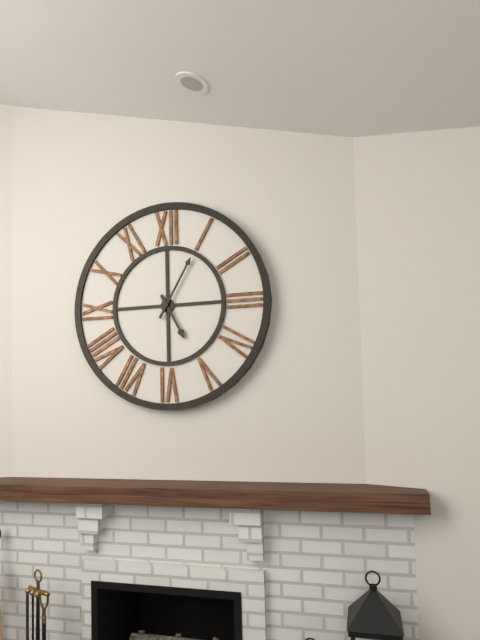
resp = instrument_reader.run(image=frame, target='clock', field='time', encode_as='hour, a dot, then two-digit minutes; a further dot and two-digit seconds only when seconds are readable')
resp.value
5.05
